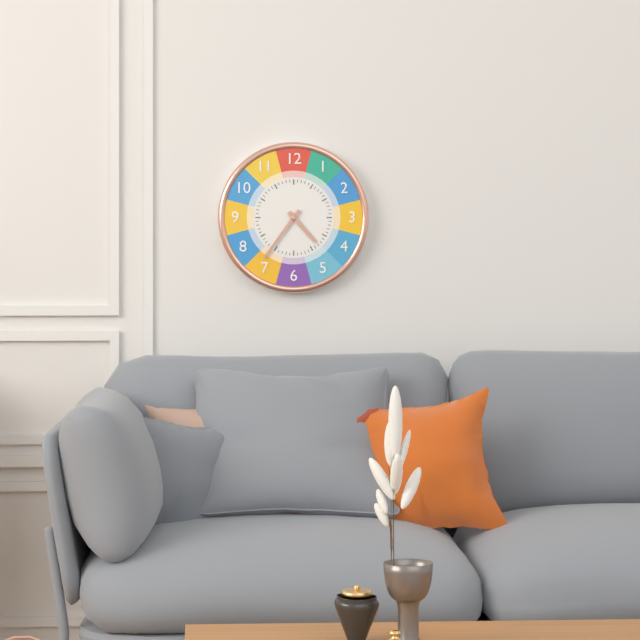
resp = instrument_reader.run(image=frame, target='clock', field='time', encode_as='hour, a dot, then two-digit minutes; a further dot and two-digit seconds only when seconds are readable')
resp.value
4.36
